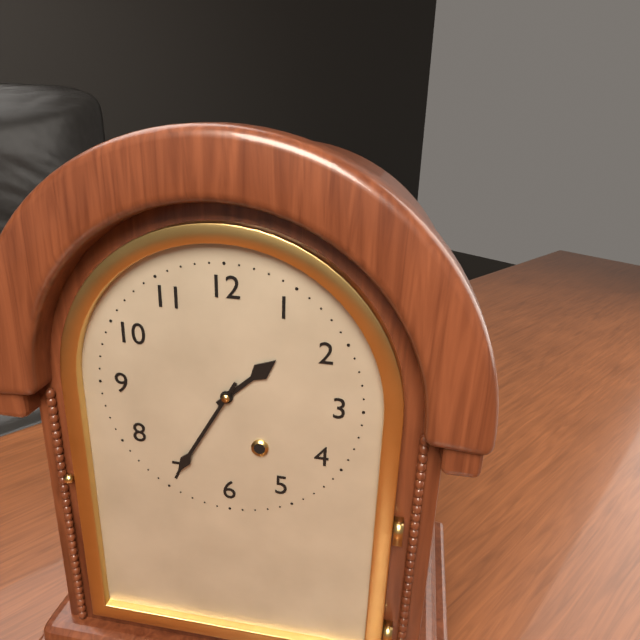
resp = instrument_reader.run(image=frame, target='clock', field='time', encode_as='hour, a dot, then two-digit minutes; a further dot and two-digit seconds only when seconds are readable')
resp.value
1.35
